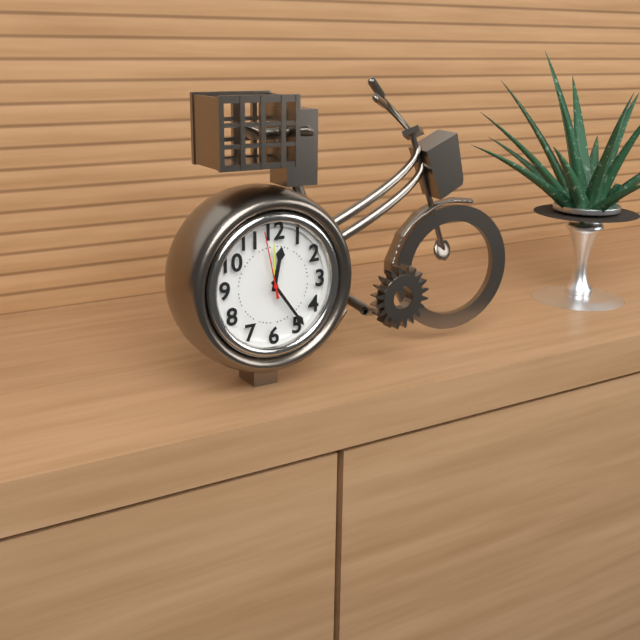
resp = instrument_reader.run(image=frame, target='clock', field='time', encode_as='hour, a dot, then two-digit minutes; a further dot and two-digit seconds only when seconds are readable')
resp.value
12.24.58
